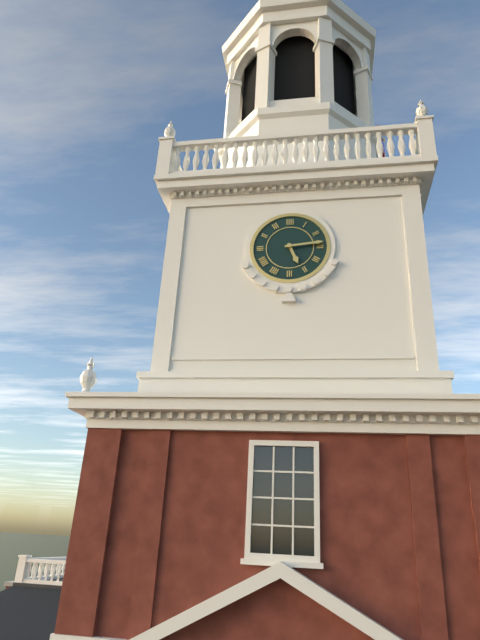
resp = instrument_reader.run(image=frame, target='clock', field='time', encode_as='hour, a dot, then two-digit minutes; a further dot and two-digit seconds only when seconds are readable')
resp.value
5.14
